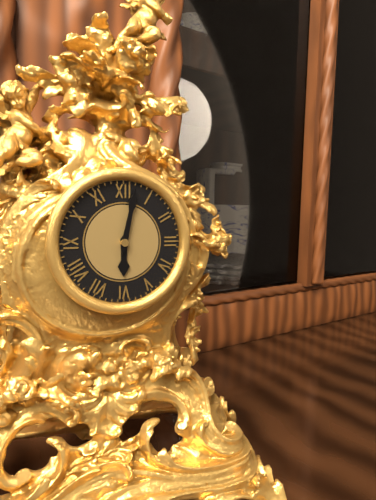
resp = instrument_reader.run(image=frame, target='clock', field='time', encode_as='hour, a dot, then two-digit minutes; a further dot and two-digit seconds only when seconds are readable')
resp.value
6.02
